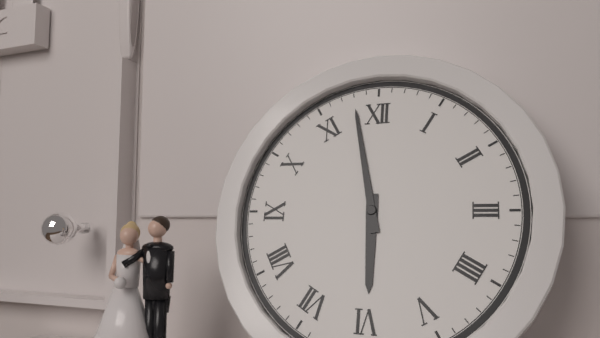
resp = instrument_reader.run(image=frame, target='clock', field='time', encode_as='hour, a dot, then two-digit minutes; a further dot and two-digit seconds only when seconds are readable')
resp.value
5.58
